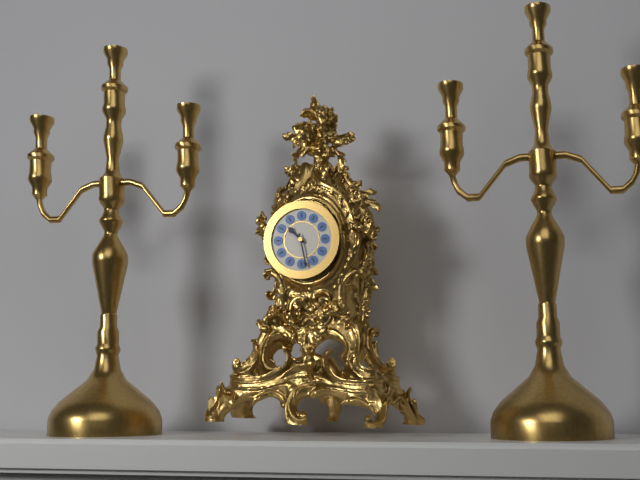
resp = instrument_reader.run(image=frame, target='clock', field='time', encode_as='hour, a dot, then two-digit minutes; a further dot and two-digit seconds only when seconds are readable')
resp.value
10.28
